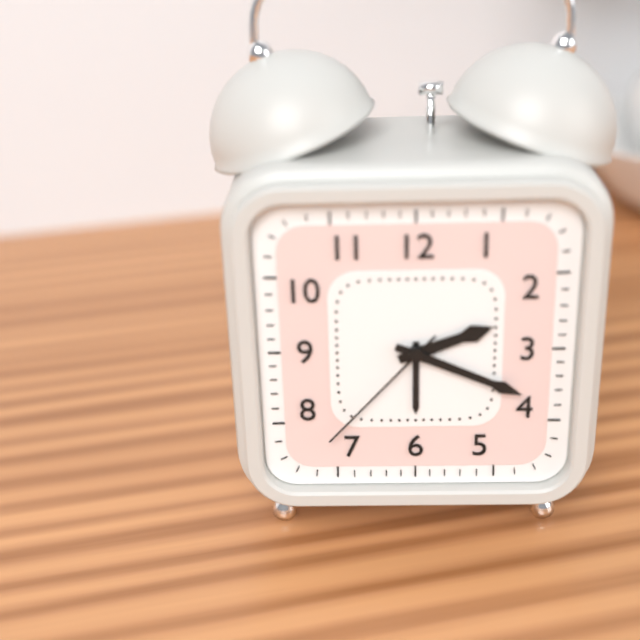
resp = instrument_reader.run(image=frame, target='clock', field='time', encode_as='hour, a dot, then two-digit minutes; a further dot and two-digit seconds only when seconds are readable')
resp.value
2.19.37
